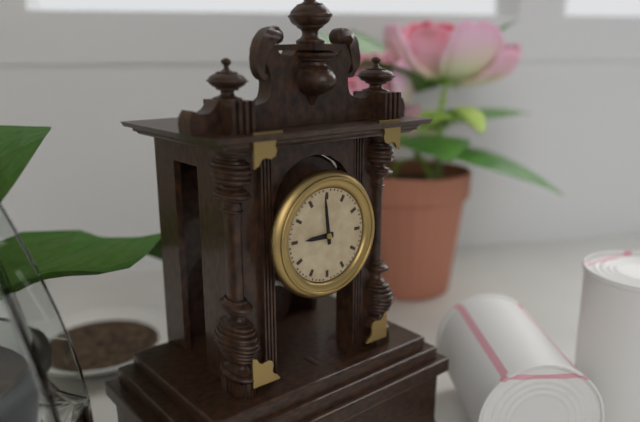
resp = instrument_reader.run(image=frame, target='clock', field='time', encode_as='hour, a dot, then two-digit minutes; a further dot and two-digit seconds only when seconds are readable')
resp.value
8.59
